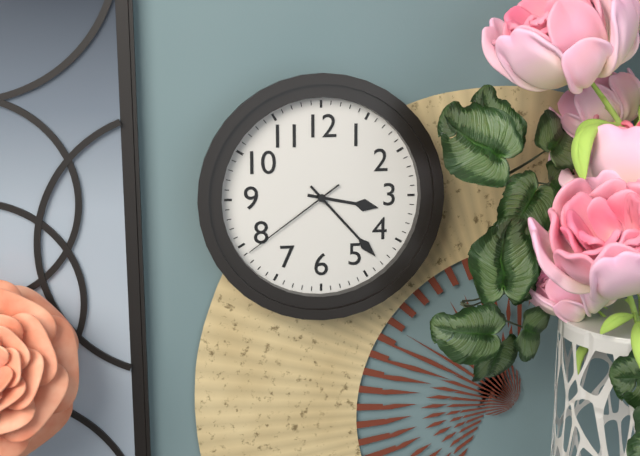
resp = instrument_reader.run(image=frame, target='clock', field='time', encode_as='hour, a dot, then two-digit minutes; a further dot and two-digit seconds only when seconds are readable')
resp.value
3.23.39
